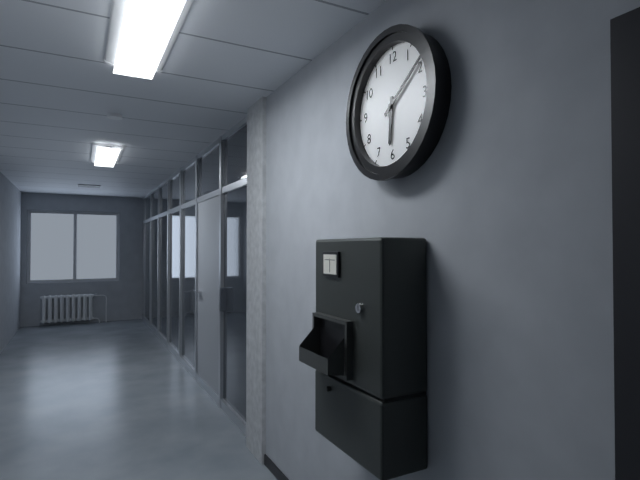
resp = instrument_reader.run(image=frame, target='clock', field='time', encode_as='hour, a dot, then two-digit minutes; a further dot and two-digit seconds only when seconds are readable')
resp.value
6.09
